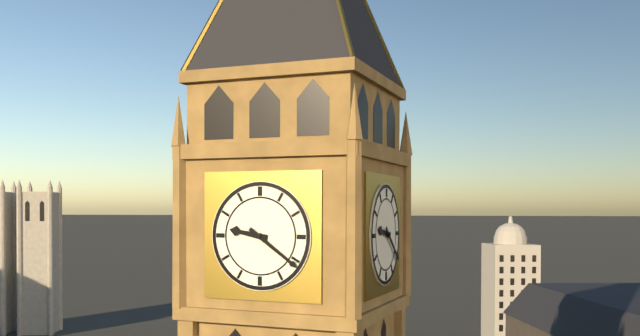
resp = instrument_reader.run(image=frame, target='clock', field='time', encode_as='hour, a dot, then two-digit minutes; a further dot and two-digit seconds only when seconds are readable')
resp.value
9.21
